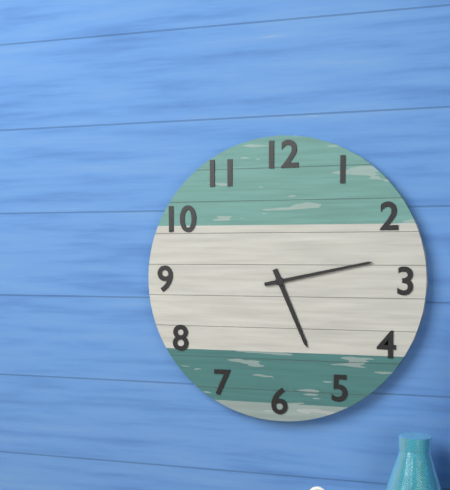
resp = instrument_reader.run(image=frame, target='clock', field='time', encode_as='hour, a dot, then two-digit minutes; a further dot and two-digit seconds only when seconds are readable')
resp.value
5.13
